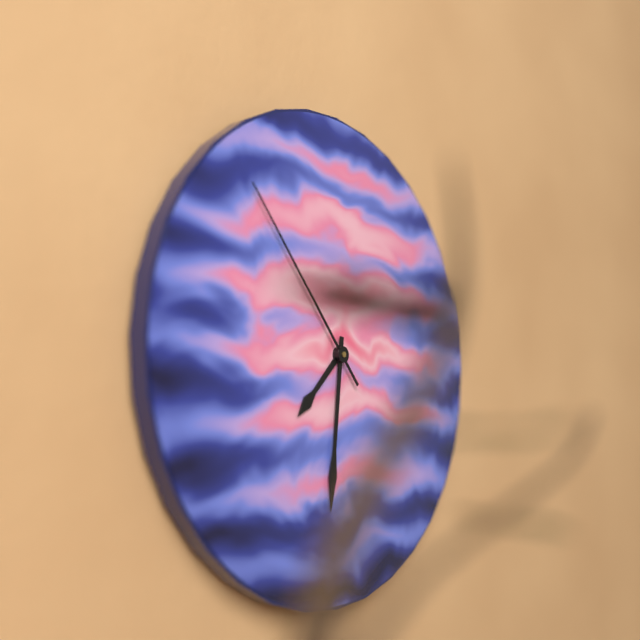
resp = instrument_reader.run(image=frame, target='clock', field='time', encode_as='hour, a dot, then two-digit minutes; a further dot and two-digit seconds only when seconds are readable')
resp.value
7.31.53
